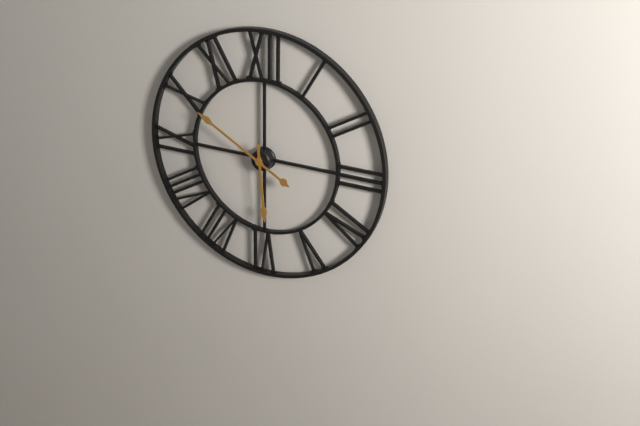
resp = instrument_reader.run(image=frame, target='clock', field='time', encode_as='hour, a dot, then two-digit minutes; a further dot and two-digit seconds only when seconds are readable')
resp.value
5.50
